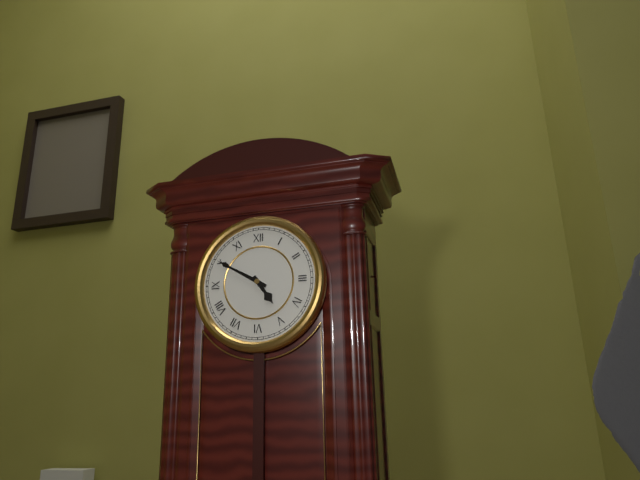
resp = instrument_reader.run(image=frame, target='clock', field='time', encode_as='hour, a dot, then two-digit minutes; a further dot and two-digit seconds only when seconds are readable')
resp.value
4.50
